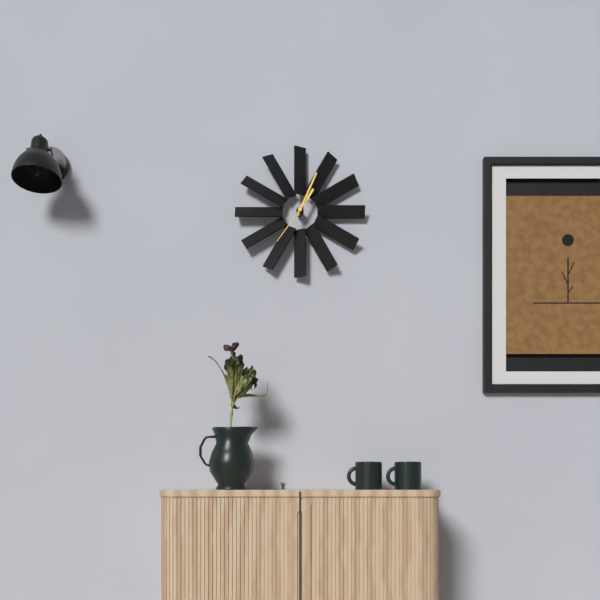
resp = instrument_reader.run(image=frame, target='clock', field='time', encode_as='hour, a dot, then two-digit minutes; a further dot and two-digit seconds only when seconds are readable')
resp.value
1.04
